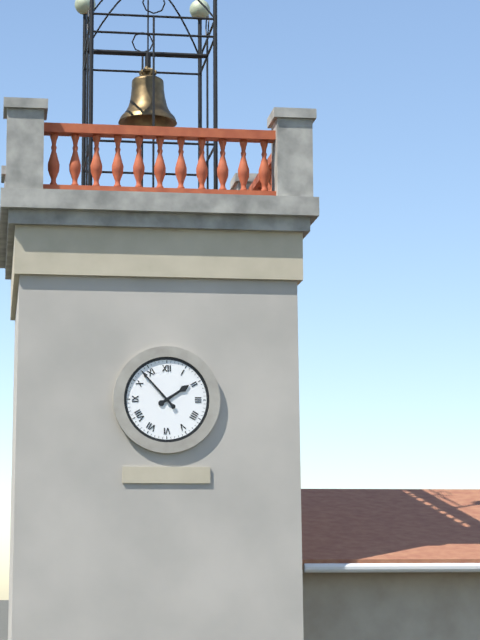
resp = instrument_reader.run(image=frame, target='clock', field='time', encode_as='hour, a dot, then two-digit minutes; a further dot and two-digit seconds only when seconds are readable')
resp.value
1.53
